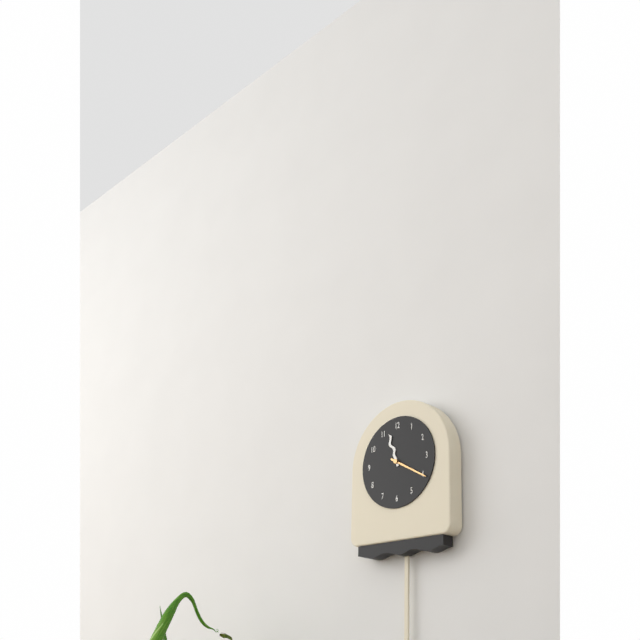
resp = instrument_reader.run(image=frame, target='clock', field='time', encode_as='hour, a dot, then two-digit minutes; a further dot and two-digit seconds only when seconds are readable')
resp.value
11.20
